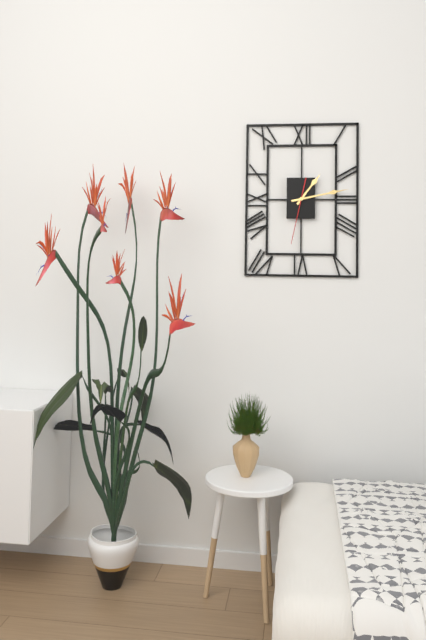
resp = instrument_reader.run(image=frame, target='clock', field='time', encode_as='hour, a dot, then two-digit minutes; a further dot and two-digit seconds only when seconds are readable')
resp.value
1.13.32
